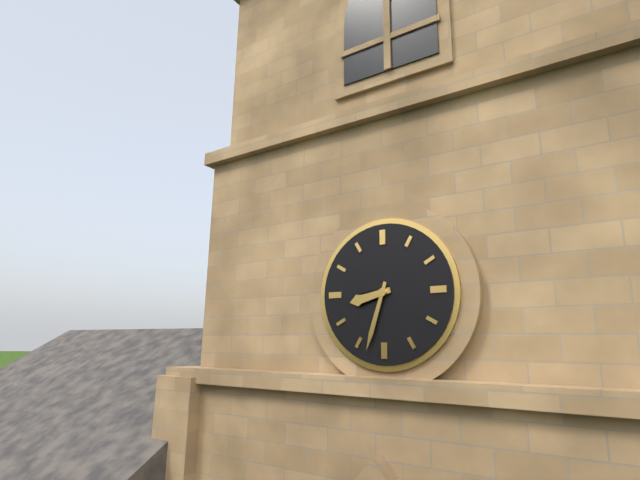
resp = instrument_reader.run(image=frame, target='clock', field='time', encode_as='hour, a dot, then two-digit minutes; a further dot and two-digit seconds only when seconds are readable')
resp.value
8.33
